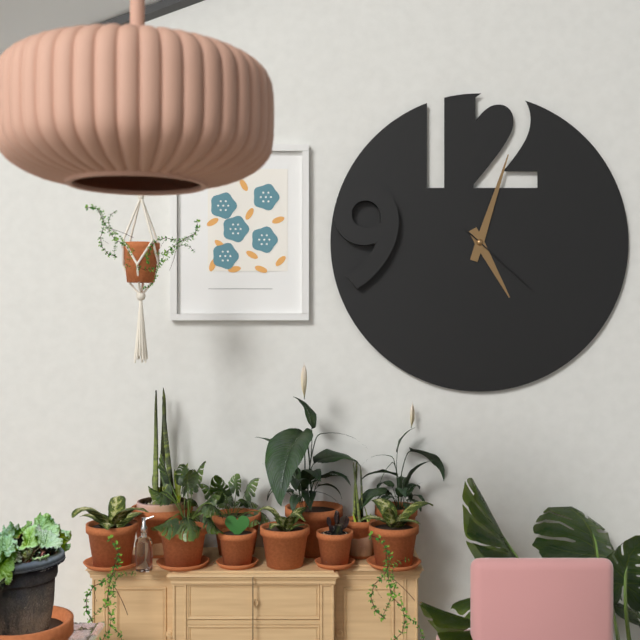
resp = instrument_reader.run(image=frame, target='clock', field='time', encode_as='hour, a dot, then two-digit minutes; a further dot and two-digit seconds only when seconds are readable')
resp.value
5.03.22
